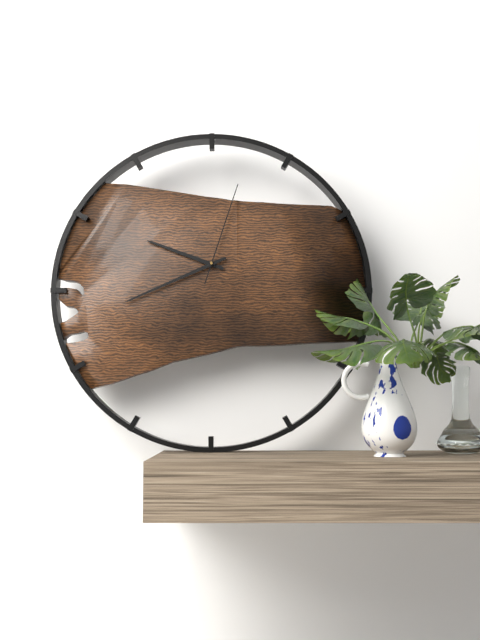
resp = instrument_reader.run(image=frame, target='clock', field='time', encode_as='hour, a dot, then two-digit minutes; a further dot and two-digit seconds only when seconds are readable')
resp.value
9.41.03
